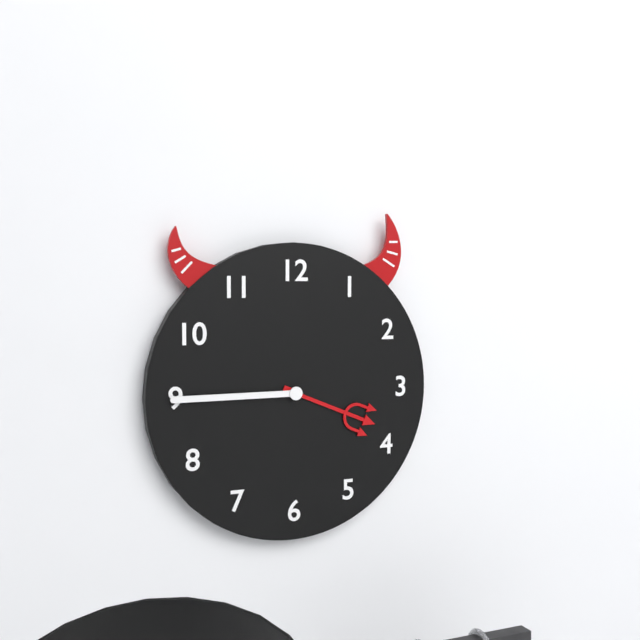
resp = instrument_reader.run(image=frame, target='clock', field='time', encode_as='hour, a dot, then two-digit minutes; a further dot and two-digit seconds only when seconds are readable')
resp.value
3.45
